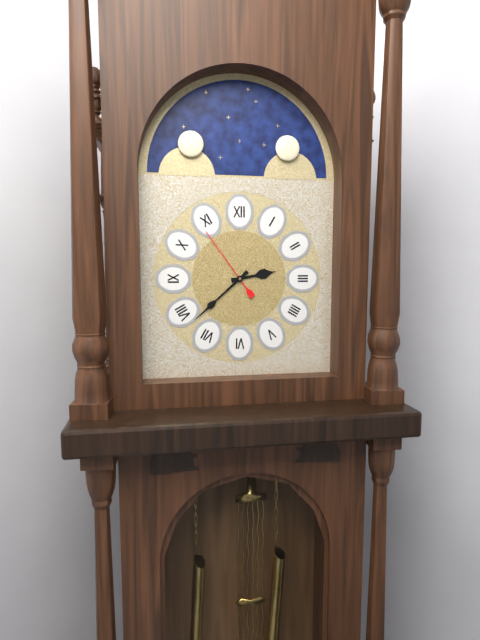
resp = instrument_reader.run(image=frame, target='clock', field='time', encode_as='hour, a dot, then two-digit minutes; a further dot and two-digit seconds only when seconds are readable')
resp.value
2.38.54
